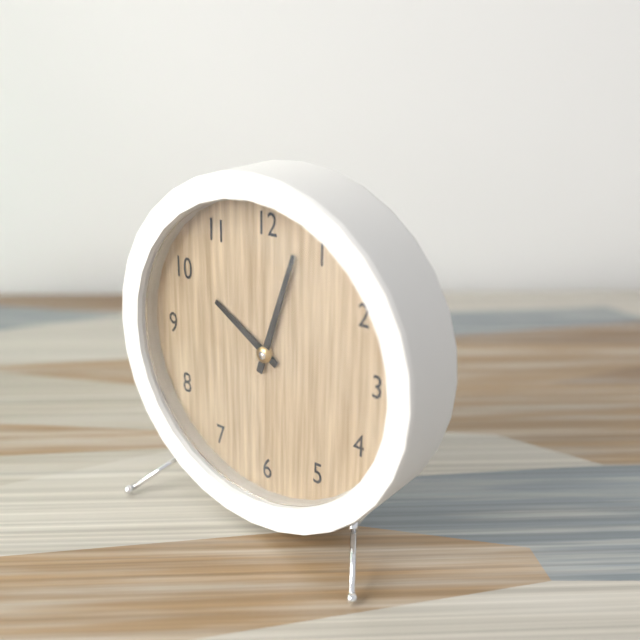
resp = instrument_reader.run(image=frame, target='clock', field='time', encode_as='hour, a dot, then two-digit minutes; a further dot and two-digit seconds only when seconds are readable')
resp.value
10.03
